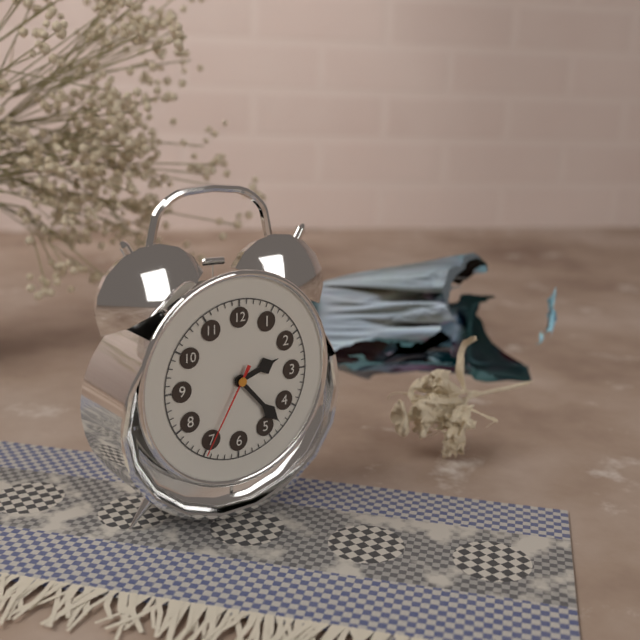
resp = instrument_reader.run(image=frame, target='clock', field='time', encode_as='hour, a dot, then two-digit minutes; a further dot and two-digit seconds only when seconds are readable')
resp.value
2.23.35
